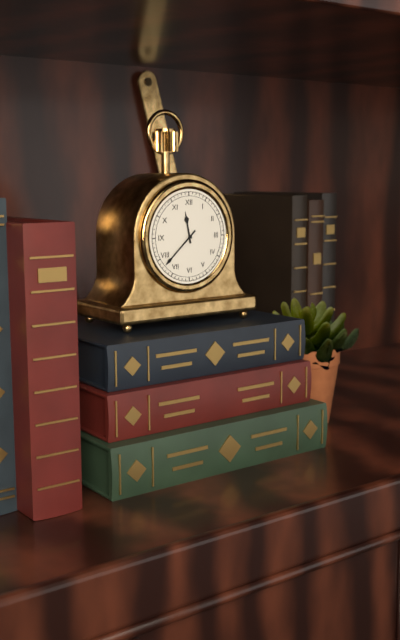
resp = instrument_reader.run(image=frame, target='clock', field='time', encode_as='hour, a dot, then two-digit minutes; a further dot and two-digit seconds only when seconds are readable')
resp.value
11.38
